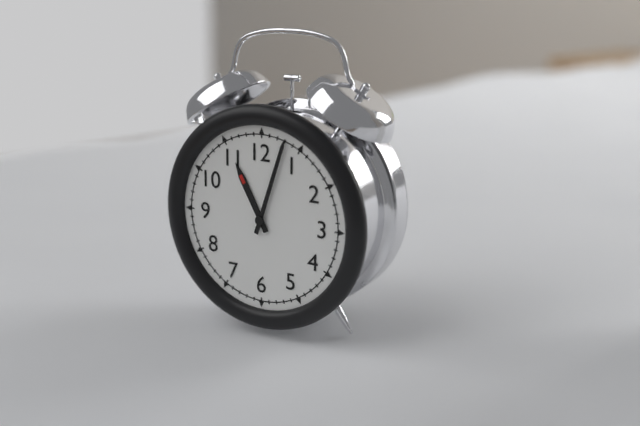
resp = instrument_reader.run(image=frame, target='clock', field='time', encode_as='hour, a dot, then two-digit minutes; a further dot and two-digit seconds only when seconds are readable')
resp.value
11.03
